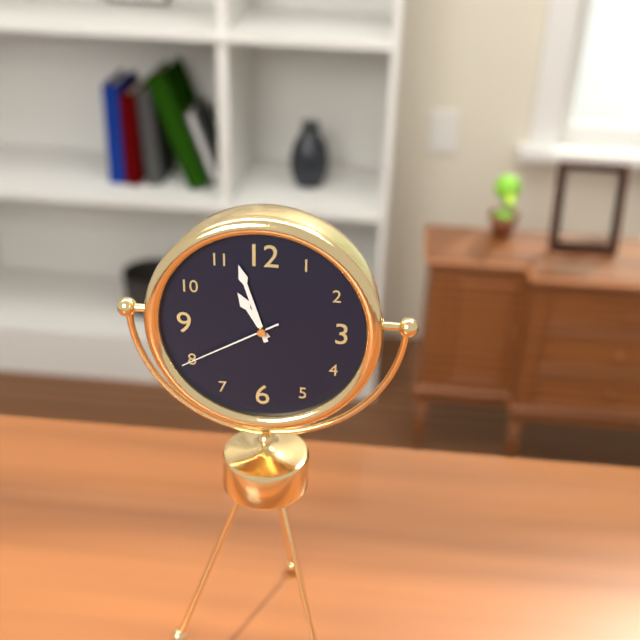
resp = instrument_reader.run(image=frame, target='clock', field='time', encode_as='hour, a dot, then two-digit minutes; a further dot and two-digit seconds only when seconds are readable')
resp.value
10.57.40
